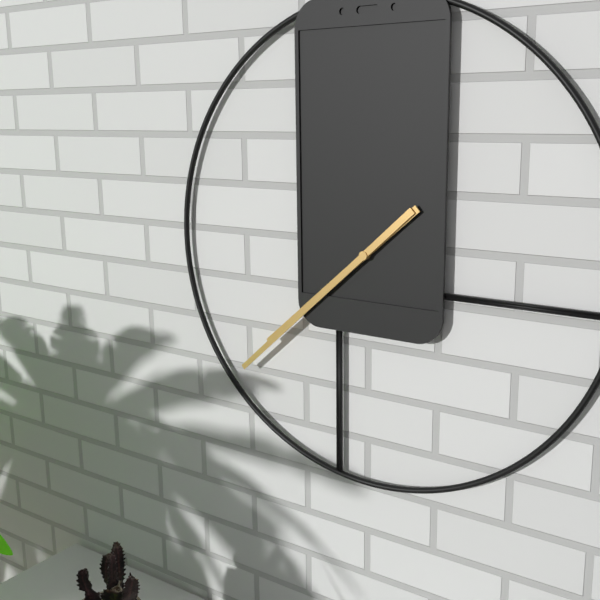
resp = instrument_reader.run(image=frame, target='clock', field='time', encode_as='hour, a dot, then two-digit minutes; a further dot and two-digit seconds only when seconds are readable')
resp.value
7.38
